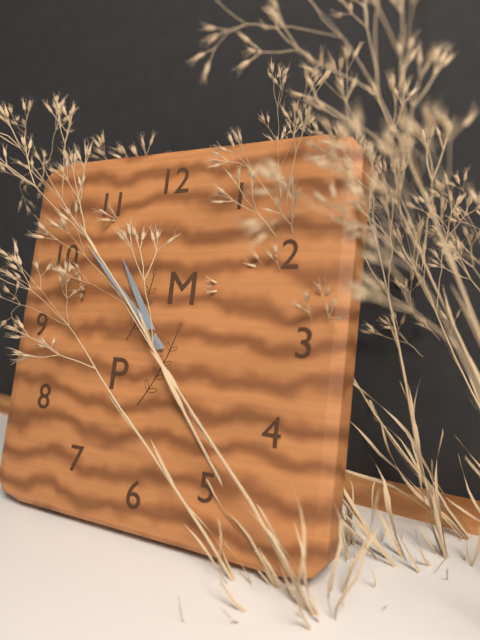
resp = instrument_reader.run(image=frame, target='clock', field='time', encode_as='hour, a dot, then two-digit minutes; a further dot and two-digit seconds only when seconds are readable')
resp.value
10.52
